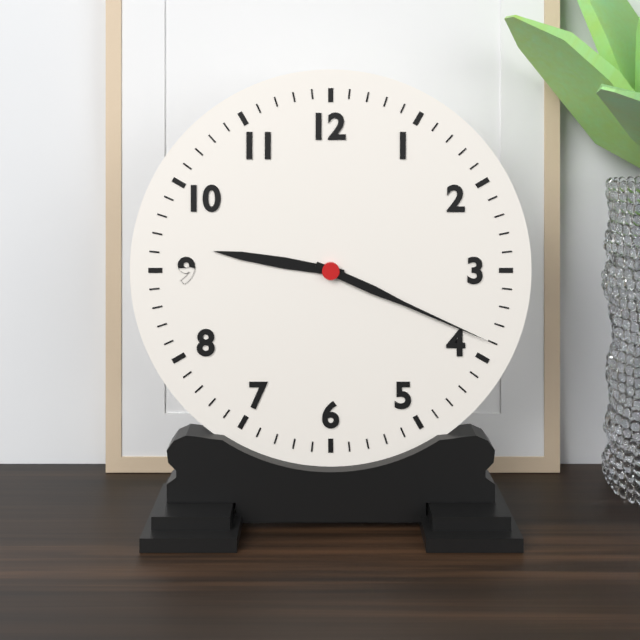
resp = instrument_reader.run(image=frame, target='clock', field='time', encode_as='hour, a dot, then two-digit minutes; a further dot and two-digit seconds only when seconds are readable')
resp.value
9.19
